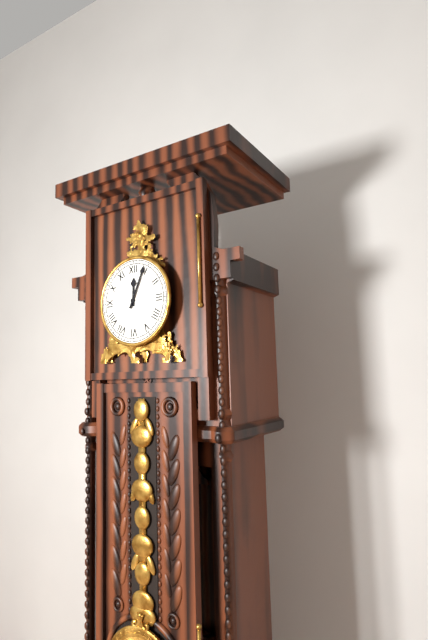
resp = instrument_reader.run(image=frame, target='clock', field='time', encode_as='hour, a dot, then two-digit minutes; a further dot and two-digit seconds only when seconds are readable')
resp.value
12.04
